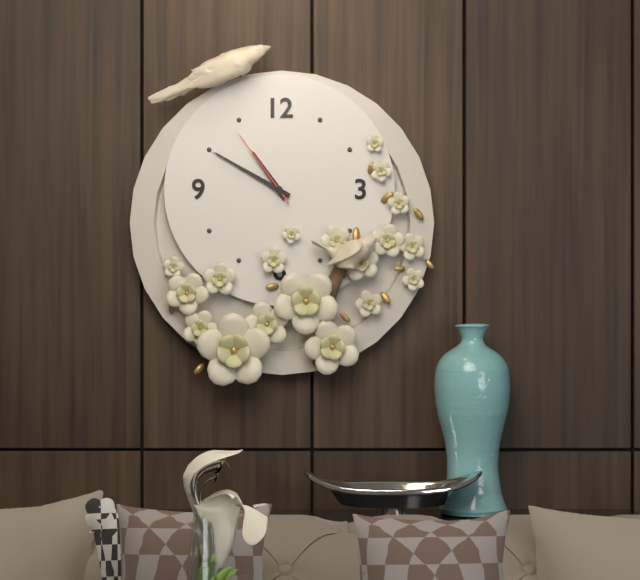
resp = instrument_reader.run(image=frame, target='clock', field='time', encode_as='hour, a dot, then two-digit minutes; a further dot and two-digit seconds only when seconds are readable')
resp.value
10.50.54
